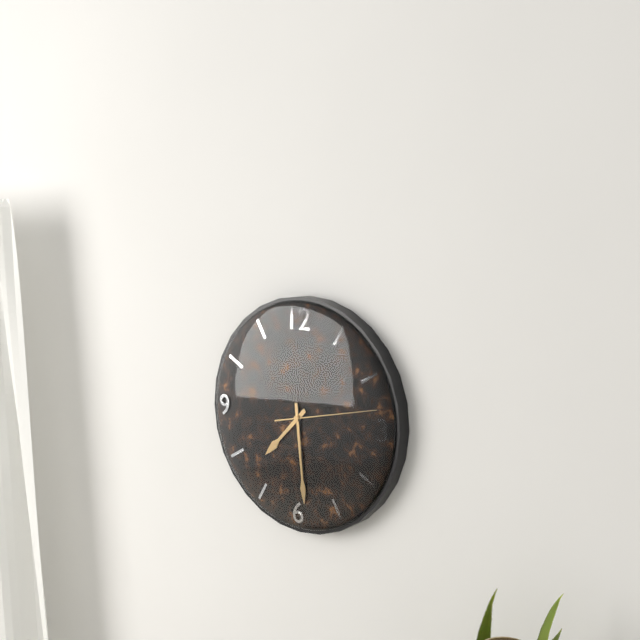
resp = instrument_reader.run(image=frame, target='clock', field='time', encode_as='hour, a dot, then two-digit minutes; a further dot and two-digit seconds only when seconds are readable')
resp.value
7.29.13
